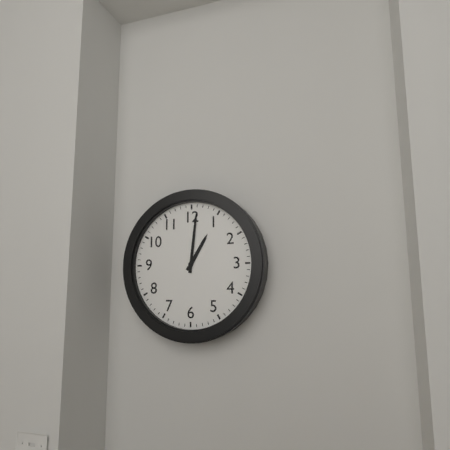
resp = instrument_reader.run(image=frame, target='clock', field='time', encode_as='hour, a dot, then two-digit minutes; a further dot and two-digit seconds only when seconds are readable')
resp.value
1.01
